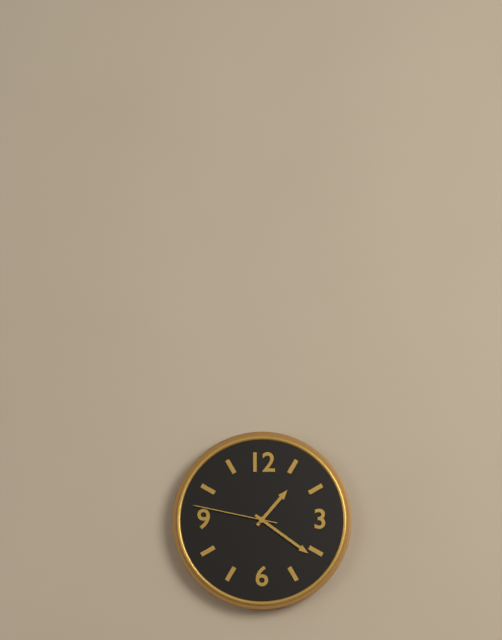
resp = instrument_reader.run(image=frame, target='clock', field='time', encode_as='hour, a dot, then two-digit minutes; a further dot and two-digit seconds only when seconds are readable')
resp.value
1.21.47
